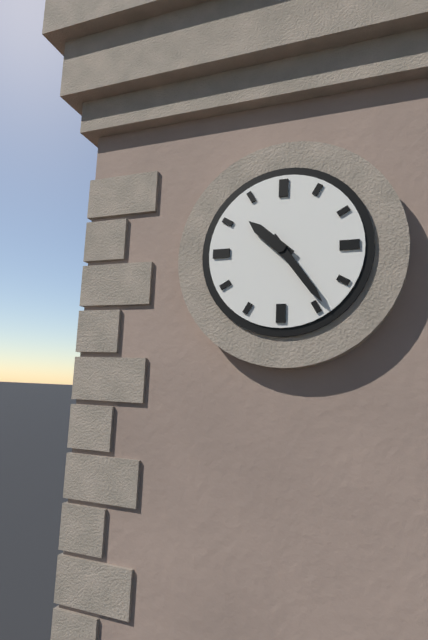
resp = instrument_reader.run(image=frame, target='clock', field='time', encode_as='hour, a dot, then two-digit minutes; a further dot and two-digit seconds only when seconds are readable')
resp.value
10.24
